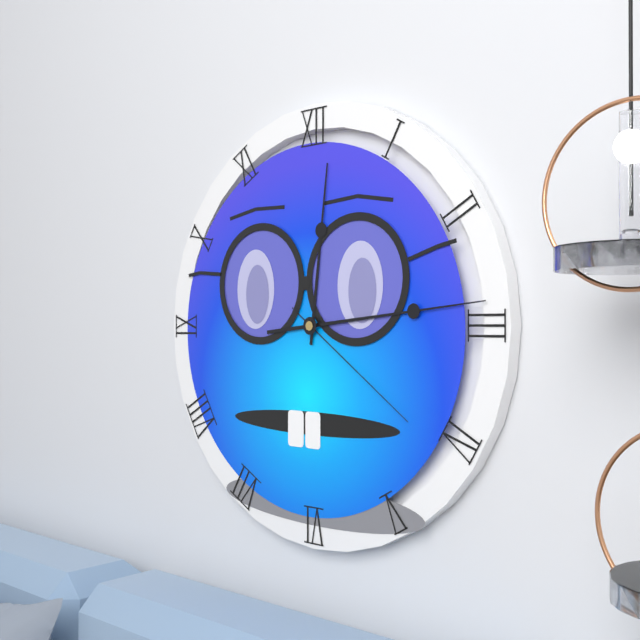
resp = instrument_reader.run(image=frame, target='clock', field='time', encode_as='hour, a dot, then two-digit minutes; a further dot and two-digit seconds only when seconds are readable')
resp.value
12.14.21
